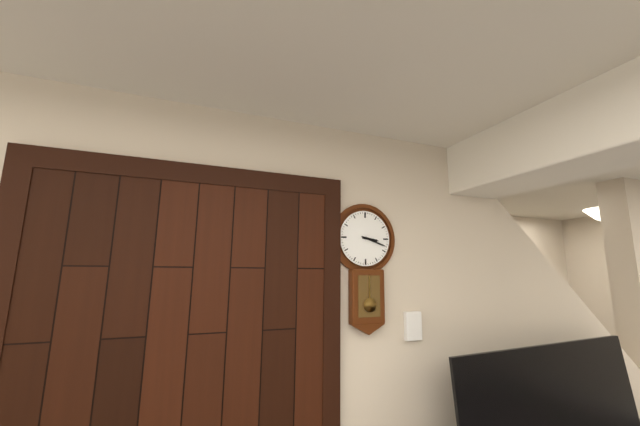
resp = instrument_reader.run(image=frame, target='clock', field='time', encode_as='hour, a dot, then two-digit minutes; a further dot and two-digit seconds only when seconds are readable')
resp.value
3.18
